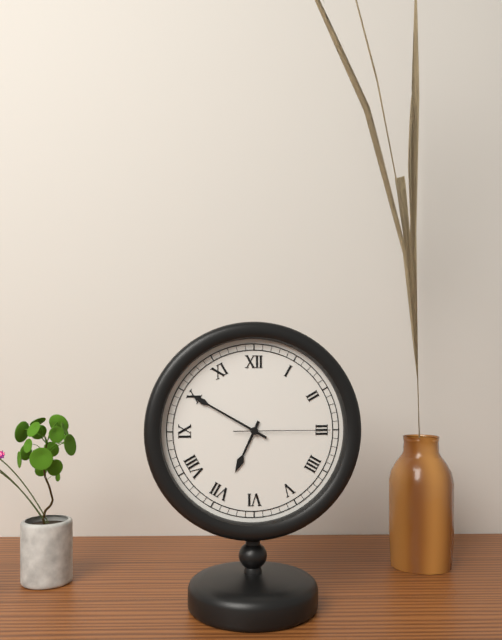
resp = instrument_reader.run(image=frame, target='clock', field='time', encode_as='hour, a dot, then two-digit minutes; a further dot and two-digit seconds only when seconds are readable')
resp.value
6.50.15
